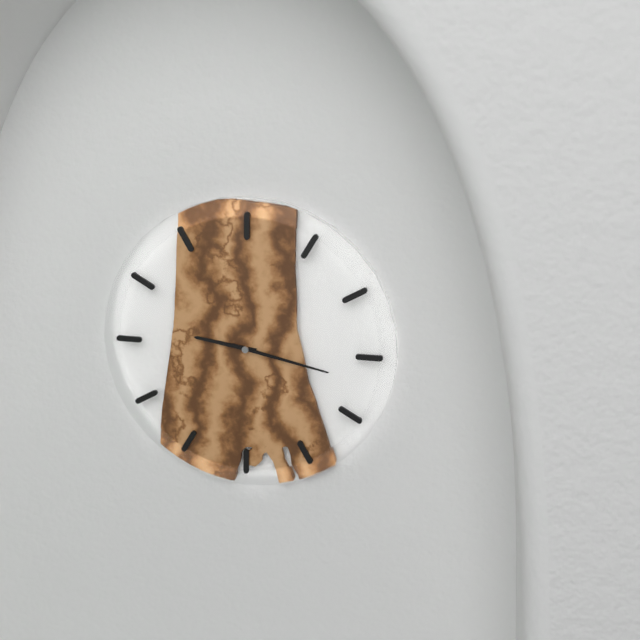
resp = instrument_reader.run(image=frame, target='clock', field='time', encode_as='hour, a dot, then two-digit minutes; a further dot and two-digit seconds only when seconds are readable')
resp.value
9.17.17
